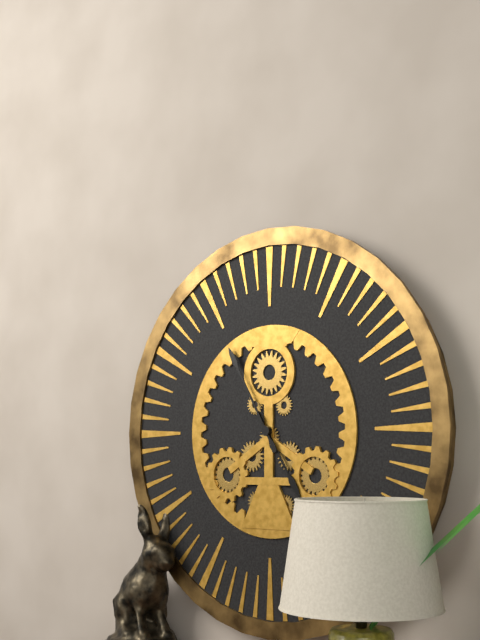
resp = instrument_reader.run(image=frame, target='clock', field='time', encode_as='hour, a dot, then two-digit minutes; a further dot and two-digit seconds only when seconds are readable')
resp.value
4.55
